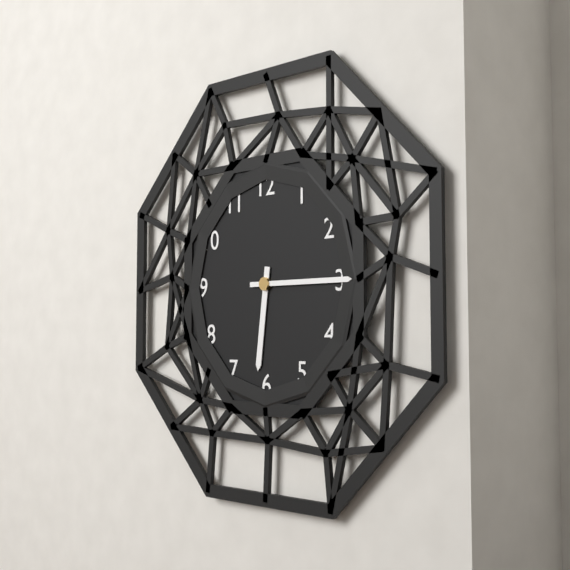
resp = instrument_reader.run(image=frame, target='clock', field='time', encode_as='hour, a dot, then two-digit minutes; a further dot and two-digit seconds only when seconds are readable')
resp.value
6.15
